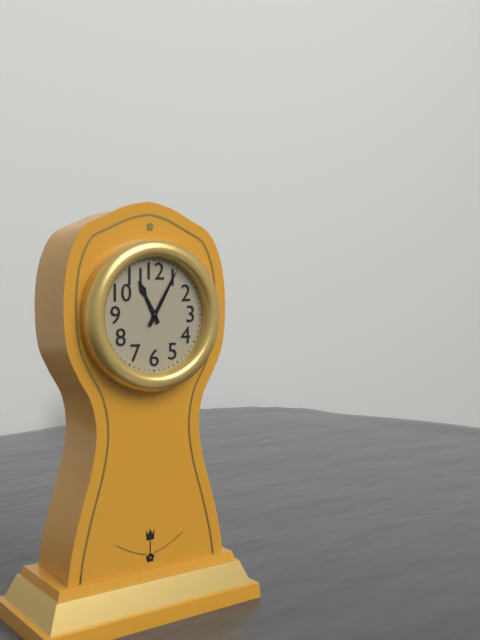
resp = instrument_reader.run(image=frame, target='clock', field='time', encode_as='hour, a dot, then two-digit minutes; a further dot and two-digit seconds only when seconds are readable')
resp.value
11.05
